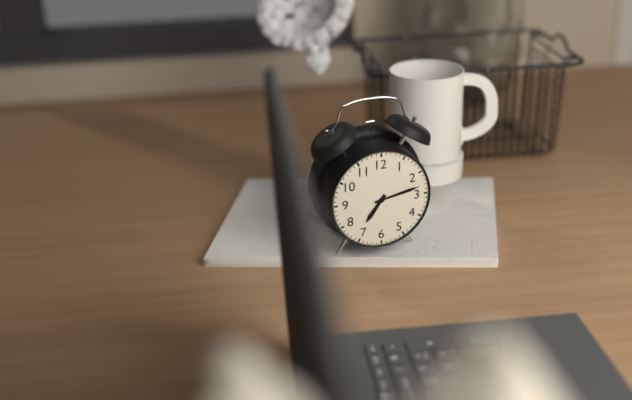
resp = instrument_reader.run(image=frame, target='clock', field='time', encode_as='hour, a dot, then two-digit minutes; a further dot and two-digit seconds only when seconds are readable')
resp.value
7.13
